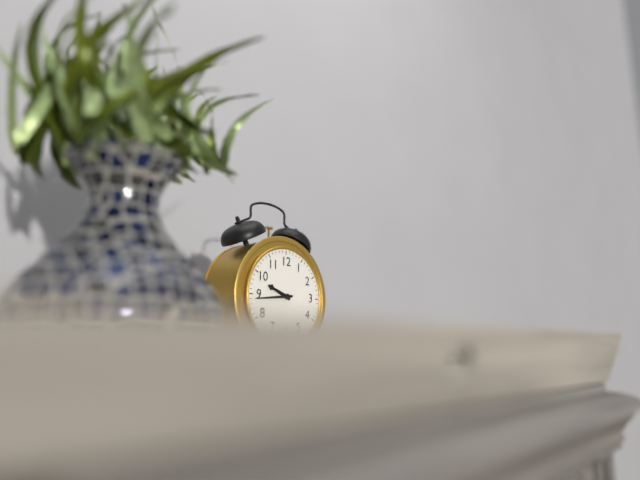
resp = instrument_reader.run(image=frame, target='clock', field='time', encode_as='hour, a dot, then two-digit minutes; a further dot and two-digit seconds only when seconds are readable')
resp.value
9.44
